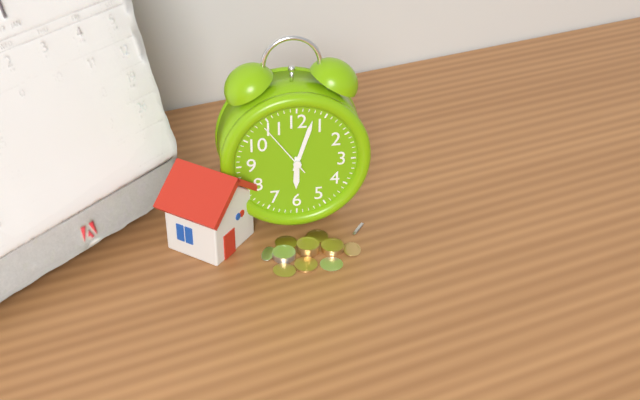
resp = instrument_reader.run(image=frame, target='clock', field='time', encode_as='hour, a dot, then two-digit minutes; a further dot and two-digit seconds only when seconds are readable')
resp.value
6.03.54
